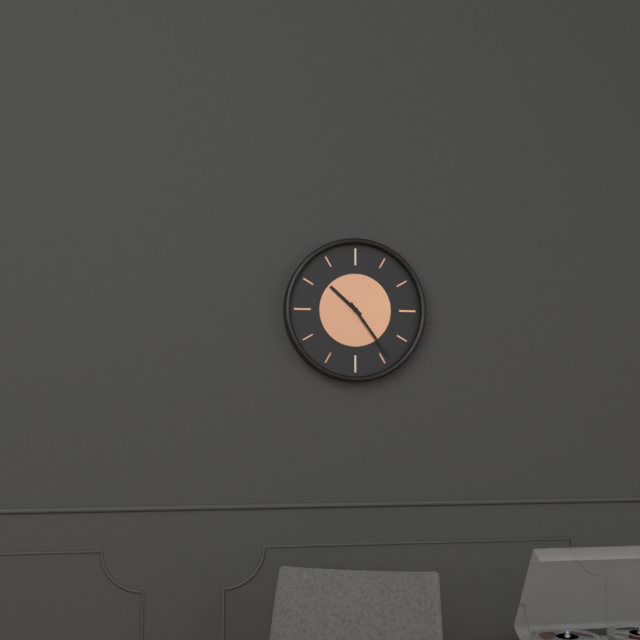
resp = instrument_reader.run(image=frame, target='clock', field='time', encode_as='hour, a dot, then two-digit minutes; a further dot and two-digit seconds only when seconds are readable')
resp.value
10.24
